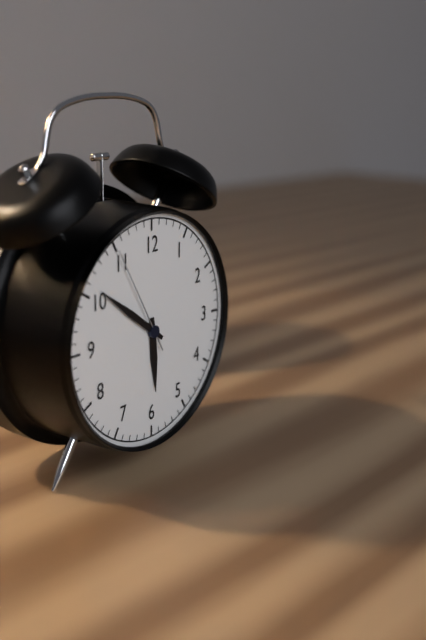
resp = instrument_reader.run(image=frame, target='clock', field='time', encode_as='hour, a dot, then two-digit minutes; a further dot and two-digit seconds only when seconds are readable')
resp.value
5.51.55
